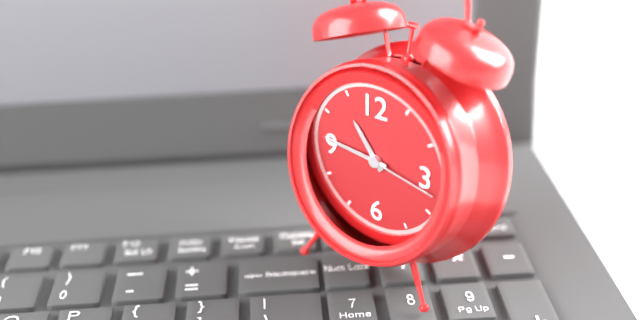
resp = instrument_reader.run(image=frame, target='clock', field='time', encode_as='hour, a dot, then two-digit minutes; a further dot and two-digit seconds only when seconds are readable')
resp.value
10.46.17
